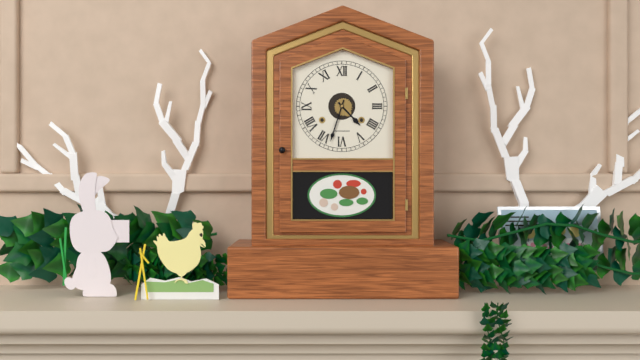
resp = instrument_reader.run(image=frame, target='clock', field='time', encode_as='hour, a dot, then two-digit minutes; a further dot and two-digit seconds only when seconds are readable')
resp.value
4.33
